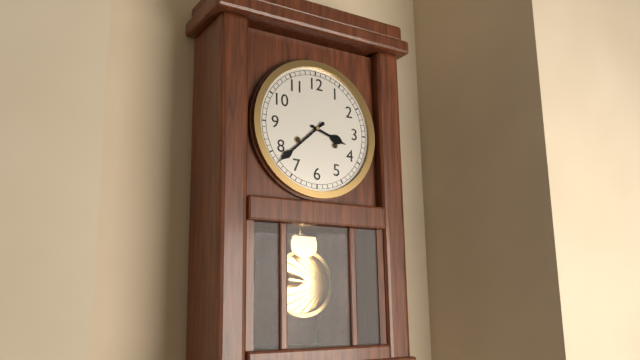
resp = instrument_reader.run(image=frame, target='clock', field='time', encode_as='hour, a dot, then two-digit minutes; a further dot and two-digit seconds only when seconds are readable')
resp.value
3.38
